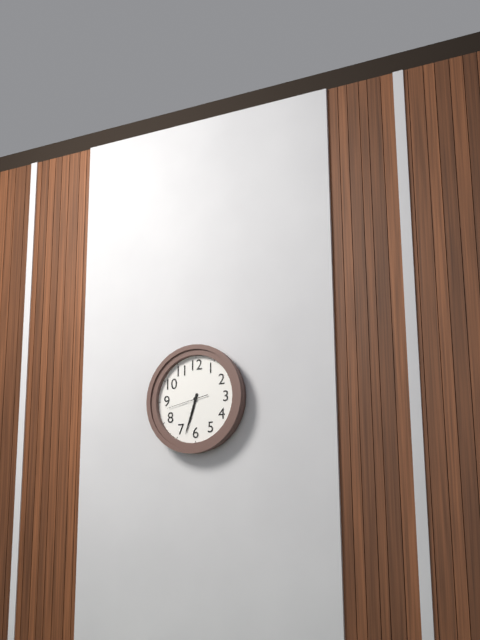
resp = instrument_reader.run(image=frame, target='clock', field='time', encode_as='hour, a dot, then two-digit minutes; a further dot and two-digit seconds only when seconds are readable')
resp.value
6.33
